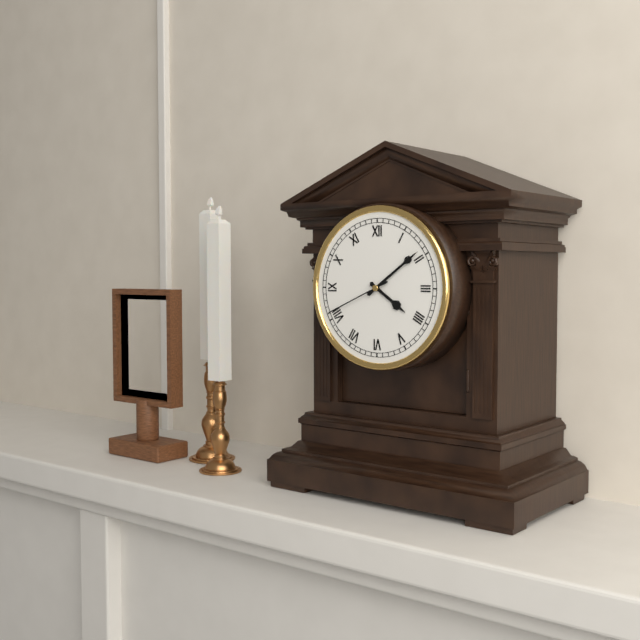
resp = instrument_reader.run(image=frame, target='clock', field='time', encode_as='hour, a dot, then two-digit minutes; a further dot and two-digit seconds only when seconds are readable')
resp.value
4.09.41
